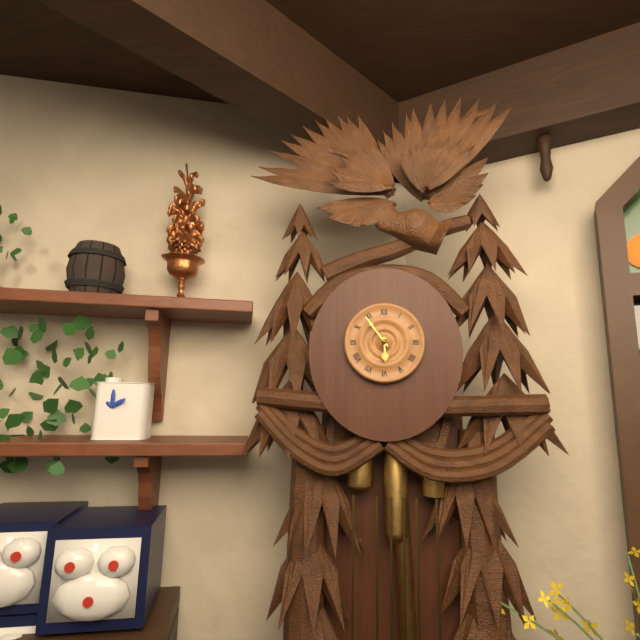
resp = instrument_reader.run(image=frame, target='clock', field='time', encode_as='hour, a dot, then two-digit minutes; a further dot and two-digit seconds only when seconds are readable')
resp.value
5.54
